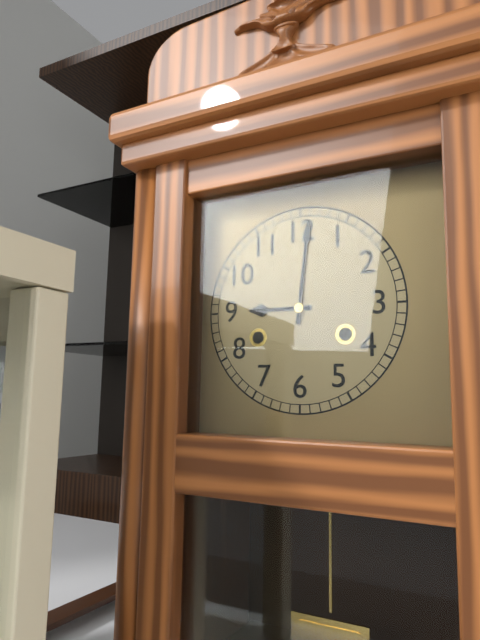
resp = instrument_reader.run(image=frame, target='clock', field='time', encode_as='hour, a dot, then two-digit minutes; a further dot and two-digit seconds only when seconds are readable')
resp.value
9.01
